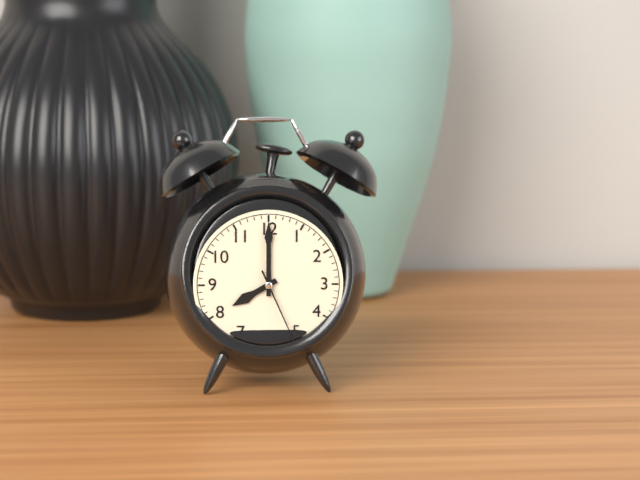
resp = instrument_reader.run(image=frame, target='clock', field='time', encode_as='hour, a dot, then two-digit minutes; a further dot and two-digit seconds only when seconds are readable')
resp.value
8.00.26
